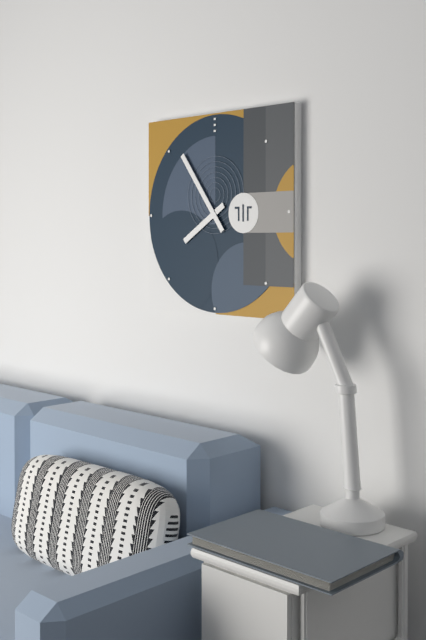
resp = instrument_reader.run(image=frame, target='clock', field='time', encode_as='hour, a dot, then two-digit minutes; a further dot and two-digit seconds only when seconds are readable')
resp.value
7.54
